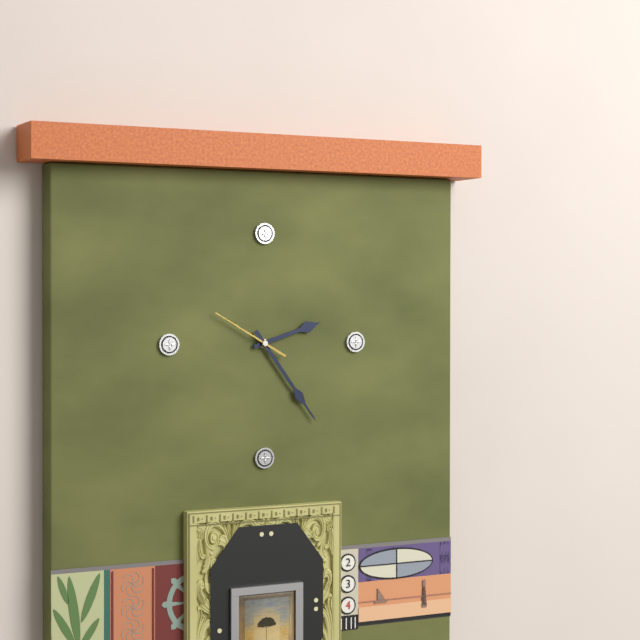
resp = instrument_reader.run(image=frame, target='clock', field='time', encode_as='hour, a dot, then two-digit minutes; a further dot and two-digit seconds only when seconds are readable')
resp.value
2.24.50
